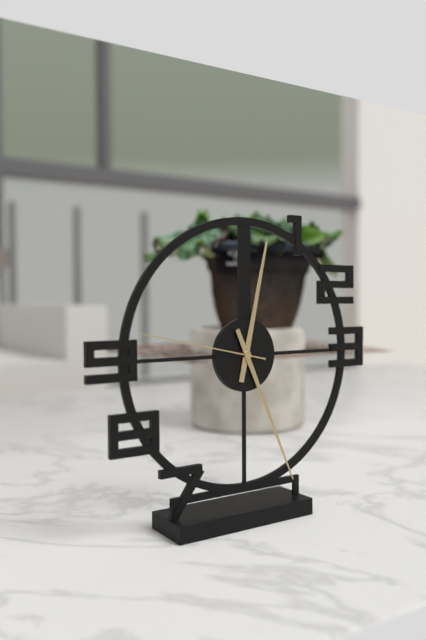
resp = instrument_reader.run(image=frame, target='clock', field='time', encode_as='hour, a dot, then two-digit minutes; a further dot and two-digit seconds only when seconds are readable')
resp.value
12.26.47
